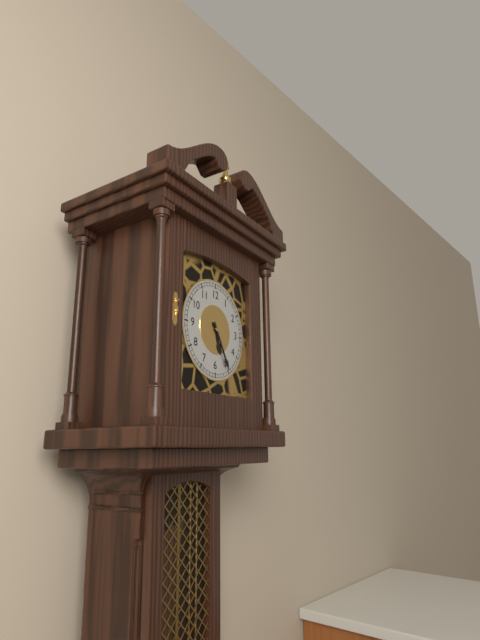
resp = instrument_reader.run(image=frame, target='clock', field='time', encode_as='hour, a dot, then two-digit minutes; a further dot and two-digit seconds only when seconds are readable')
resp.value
5.25
